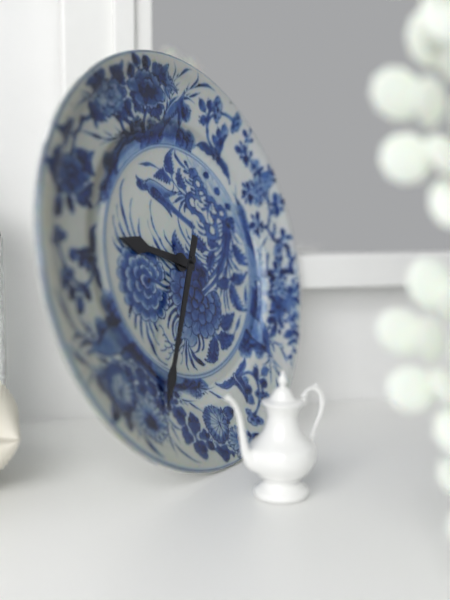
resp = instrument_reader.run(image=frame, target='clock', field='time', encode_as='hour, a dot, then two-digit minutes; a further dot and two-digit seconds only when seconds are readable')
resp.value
9.35
